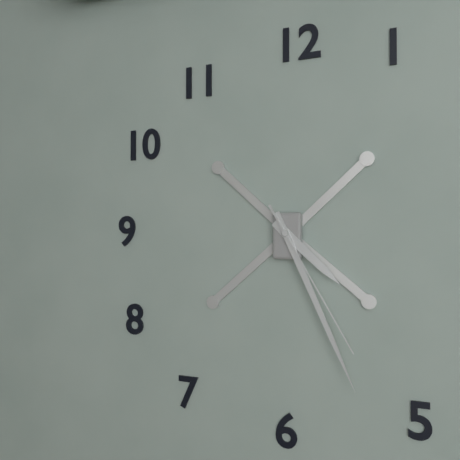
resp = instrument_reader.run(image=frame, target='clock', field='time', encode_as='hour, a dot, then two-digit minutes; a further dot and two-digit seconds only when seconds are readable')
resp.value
4.26.25
